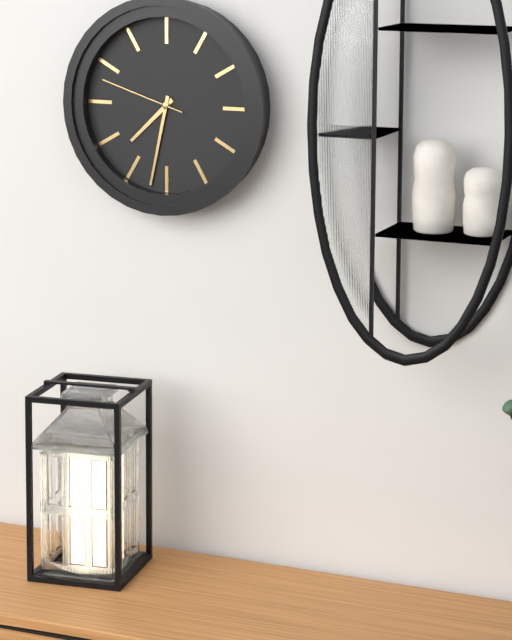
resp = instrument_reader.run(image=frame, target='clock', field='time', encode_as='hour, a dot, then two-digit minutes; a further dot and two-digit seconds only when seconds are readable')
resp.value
7.32.48
